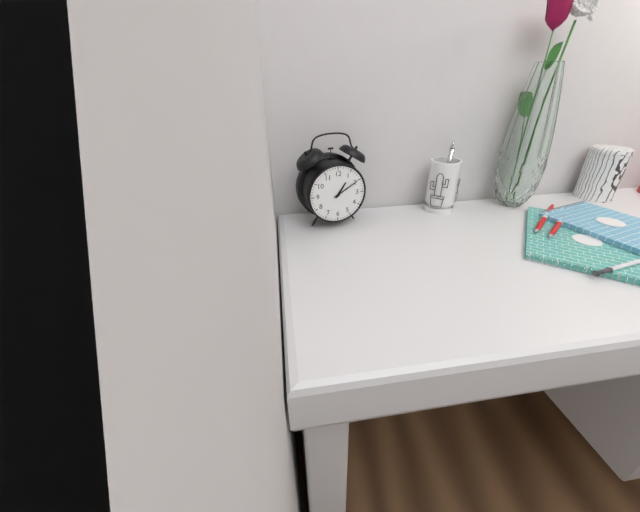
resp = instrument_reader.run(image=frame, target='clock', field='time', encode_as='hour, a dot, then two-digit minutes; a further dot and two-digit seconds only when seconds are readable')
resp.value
1.10
